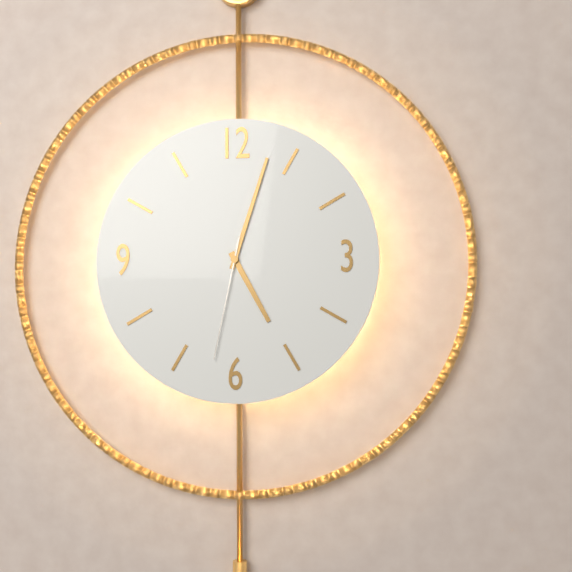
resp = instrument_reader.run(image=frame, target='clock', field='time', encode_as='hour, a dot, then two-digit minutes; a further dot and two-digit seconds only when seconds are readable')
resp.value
5.03.32
